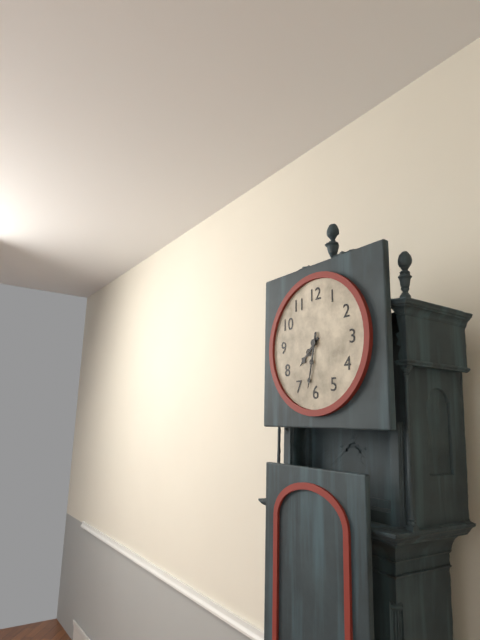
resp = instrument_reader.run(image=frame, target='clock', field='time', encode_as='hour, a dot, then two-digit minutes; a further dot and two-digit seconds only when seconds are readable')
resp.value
7.32
